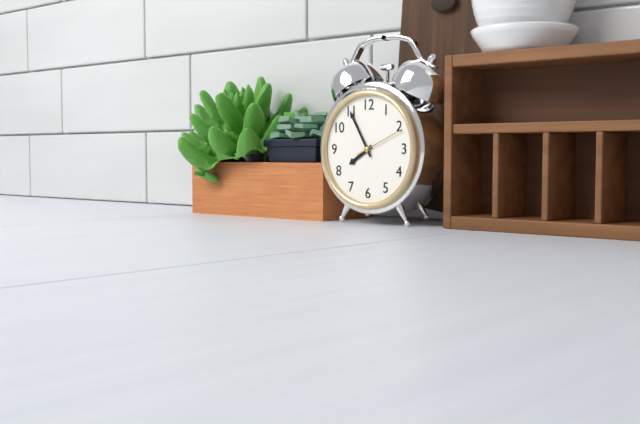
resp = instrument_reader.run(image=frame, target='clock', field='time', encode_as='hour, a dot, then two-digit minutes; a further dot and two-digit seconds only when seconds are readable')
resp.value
7.55.11
